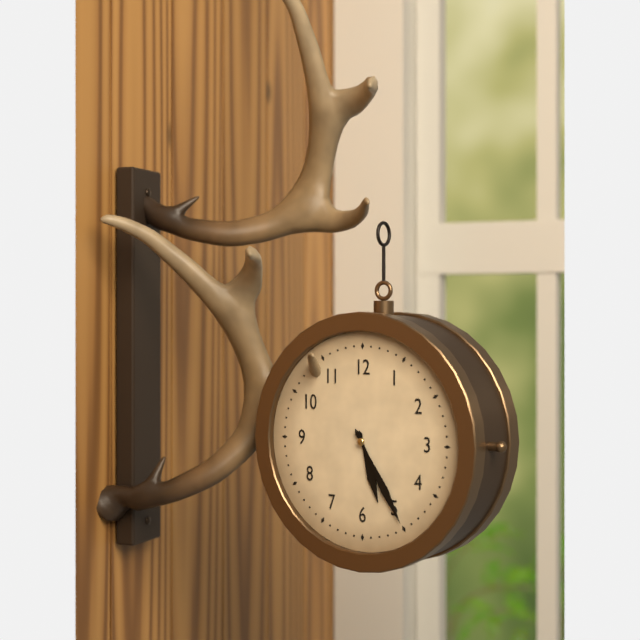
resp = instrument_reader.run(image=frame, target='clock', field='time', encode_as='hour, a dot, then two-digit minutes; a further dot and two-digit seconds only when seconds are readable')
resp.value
5.25
